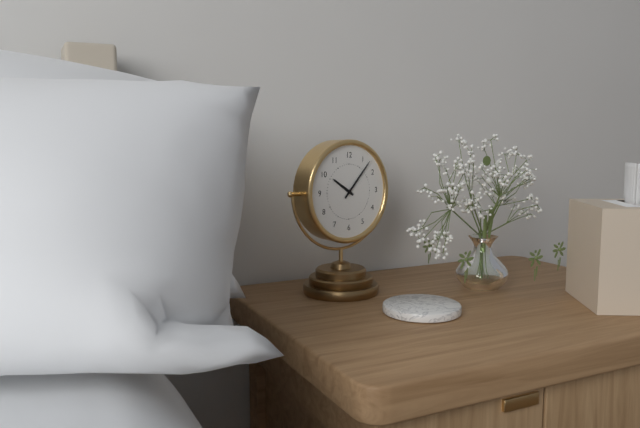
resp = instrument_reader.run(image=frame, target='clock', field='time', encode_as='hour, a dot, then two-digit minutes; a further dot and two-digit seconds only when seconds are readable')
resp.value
10.07
